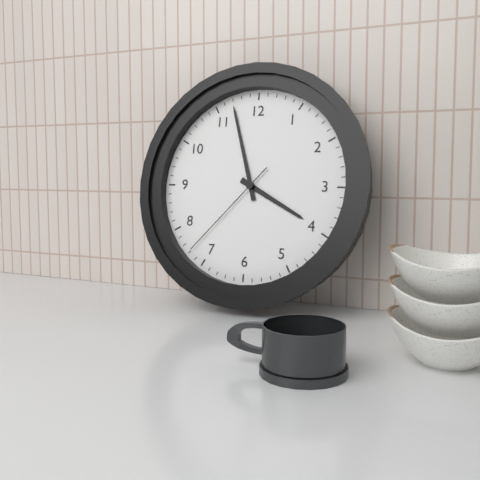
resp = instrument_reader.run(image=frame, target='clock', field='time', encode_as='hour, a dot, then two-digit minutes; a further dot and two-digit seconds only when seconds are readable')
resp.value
3.57.37
